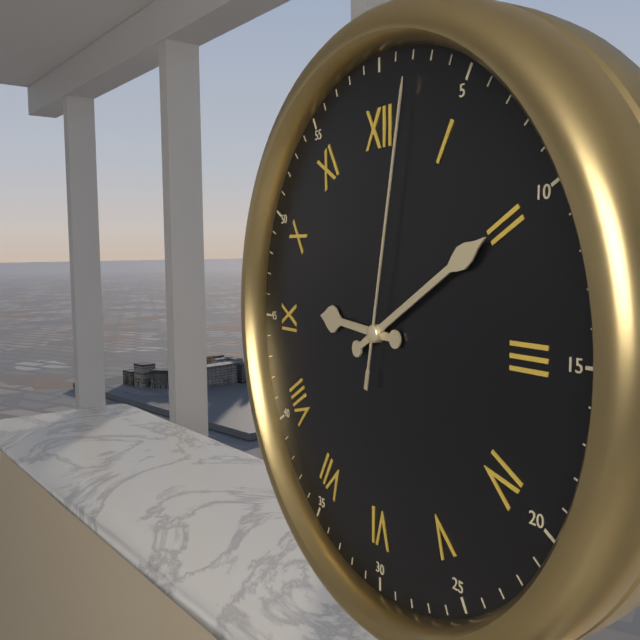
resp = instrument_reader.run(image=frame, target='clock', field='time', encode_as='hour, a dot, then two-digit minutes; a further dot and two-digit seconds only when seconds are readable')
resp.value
9.10.02
